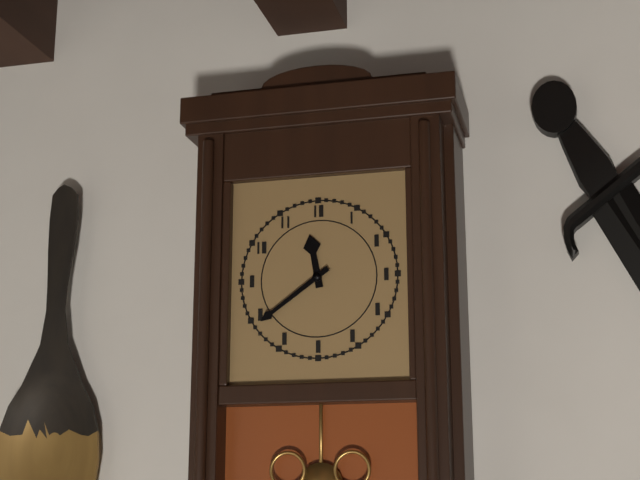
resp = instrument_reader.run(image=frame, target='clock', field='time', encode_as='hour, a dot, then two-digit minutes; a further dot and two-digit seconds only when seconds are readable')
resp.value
11.39
